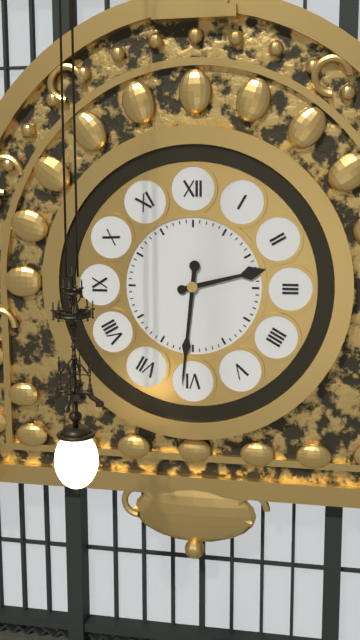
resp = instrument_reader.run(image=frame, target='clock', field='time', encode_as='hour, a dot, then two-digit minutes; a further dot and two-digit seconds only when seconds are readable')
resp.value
2.31
